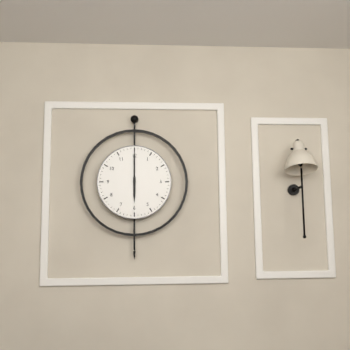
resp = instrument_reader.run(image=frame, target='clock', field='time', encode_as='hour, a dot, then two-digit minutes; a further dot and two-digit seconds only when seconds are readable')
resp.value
6.00
